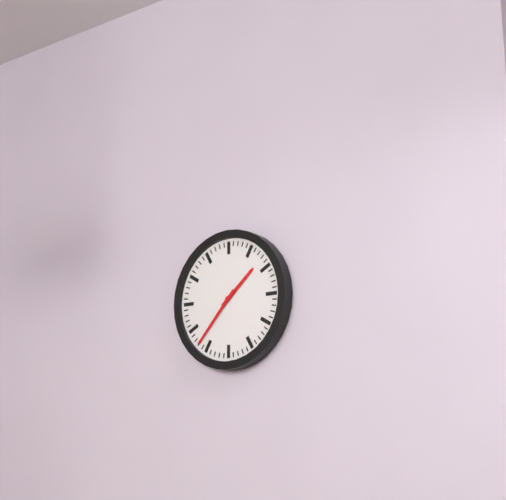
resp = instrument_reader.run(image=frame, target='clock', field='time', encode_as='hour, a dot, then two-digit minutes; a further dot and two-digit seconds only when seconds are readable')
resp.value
1.37
